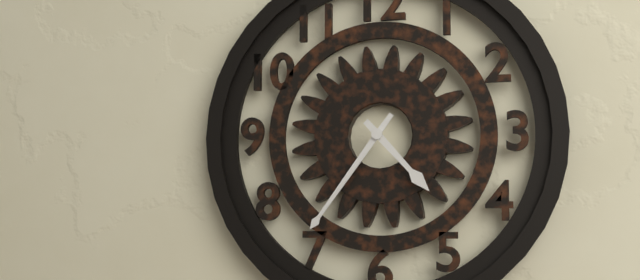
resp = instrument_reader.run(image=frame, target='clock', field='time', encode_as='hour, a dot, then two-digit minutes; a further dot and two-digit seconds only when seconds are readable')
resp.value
4.36
